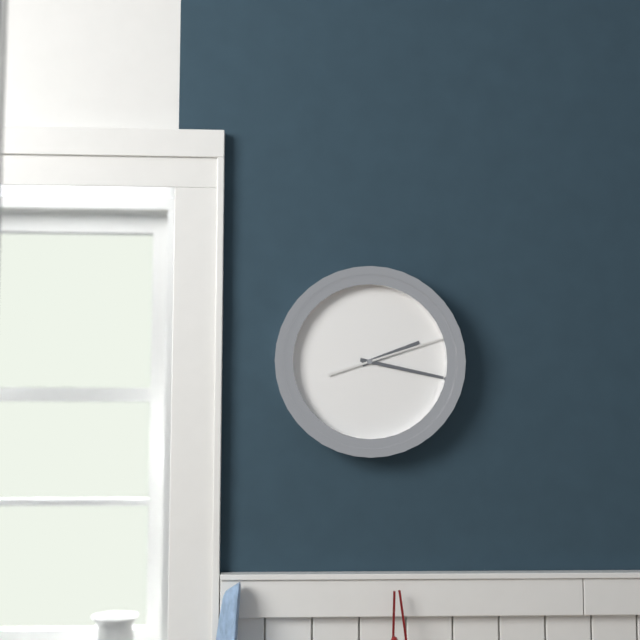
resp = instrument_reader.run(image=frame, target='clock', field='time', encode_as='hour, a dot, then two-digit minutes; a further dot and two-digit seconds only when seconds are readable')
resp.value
2.17.12
